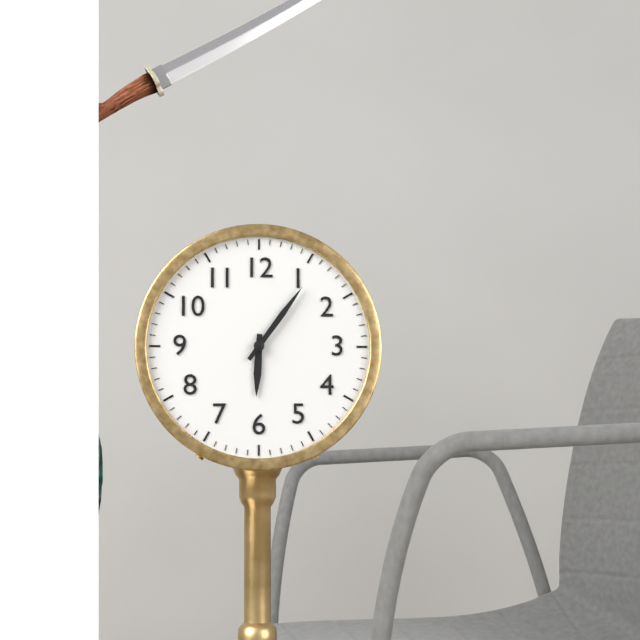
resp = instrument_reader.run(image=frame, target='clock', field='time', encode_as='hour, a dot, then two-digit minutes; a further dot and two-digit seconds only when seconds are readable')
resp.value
6.06
